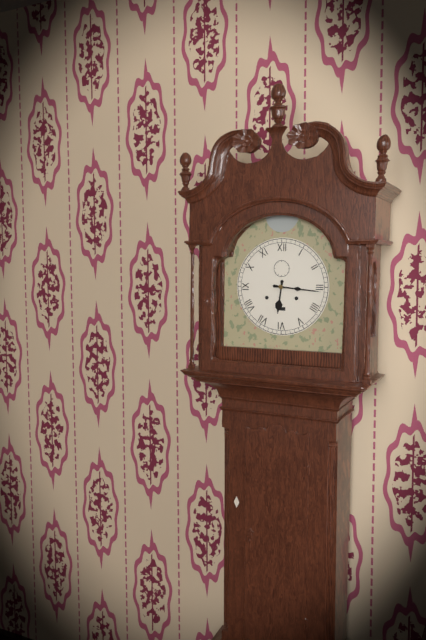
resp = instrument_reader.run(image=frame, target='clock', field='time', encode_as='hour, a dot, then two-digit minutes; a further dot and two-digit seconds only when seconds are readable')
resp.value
6.16
